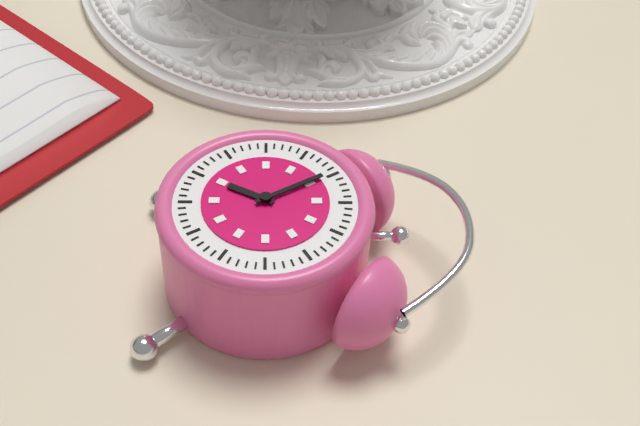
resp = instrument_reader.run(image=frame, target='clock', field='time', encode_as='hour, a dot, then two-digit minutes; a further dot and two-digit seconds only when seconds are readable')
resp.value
6.55
